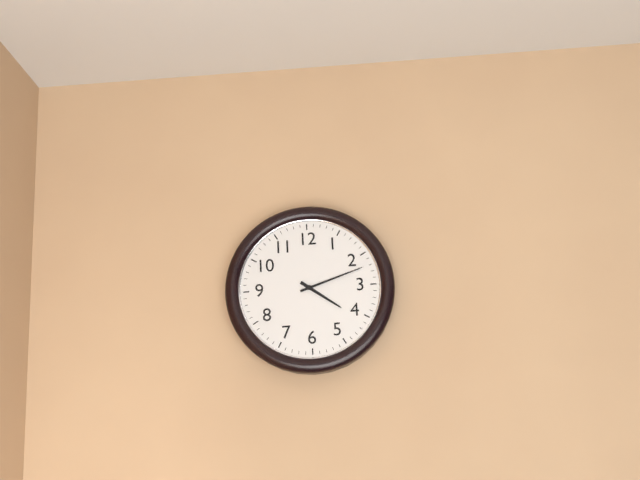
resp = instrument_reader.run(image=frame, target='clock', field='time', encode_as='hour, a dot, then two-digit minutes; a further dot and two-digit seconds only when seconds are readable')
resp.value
4.12
